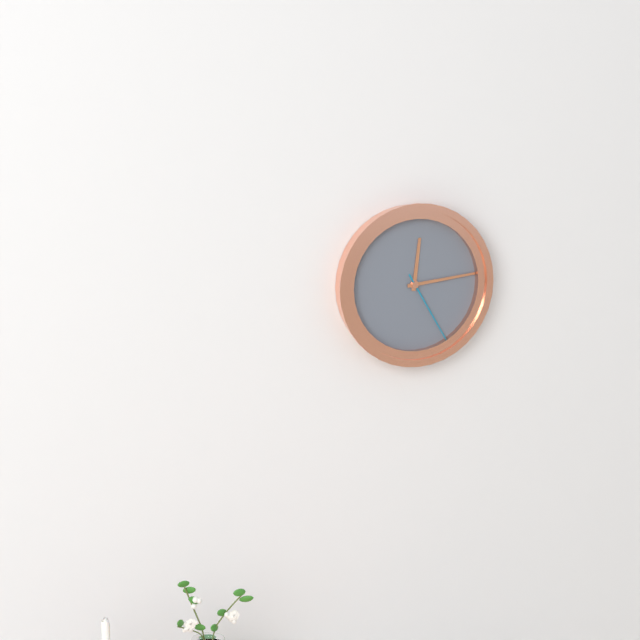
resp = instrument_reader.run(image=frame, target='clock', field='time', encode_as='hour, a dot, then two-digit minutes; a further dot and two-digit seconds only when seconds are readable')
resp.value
12.14.25
